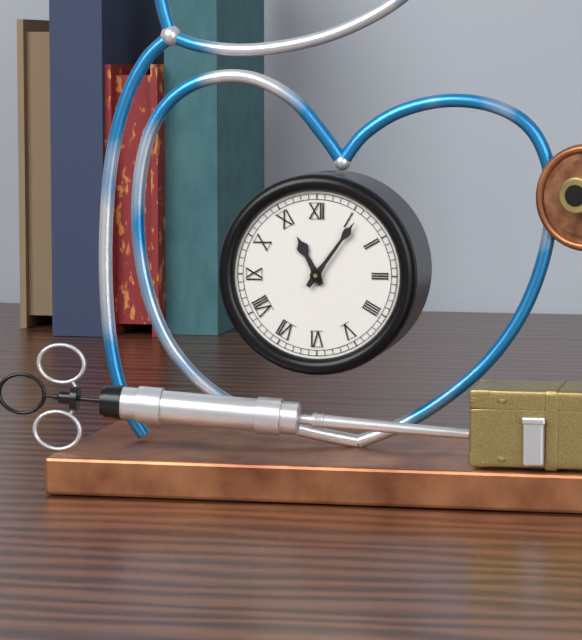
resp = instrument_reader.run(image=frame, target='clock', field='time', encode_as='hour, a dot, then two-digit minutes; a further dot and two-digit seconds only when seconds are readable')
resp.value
11.06
